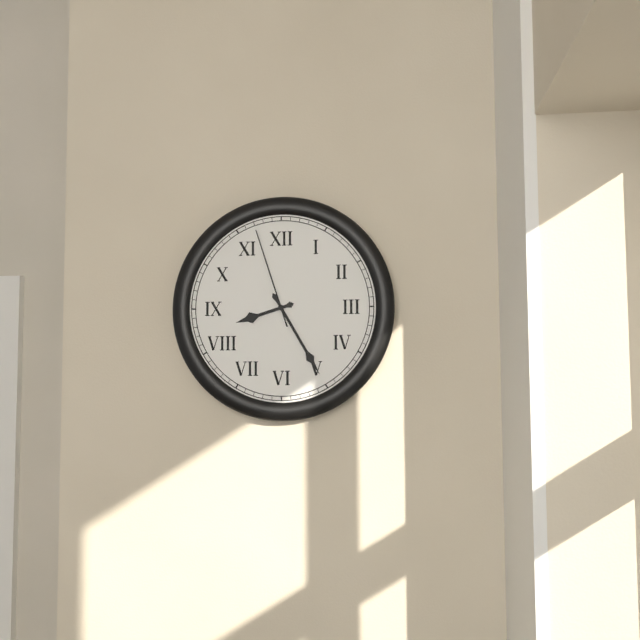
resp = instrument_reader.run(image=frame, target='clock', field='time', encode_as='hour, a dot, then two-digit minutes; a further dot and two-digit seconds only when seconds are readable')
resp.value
8.25.57
